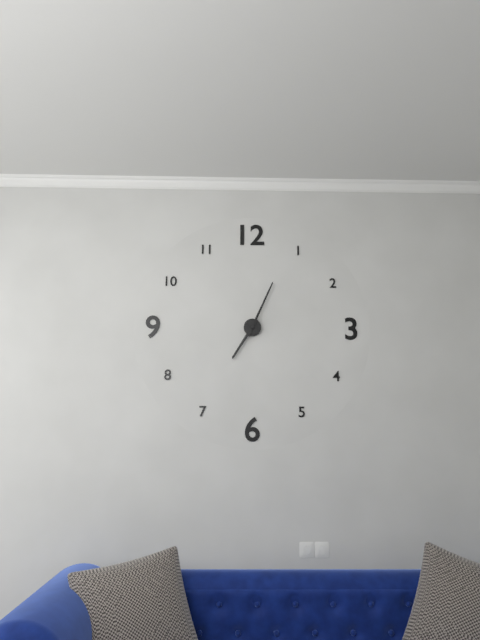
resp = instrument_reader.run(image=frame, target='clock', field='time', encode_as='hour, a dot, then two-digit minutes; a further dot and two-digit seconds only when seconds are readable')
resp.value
7.04
